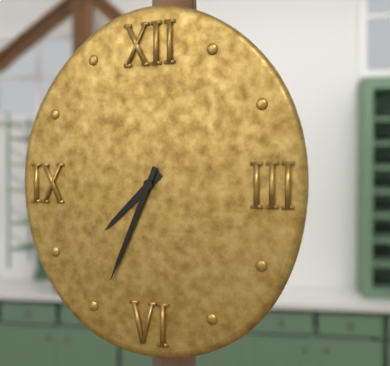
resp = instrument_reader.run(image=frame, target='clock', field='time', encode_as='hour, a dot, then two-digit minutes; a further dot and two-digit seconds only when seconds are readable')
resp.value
7.34
